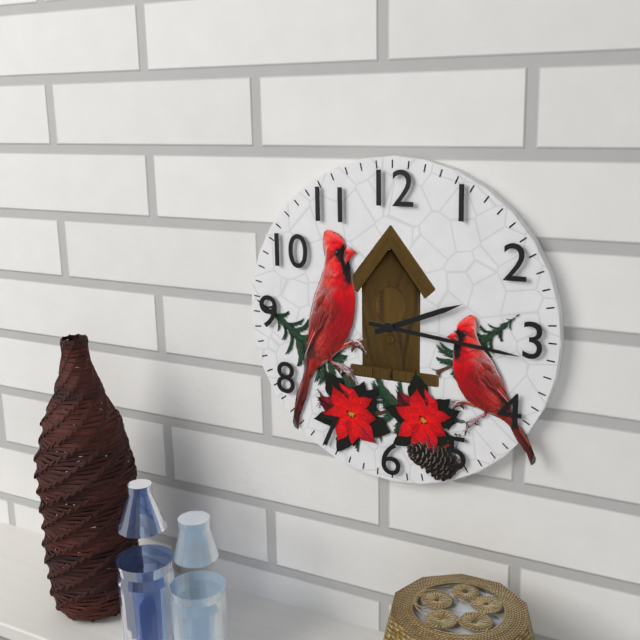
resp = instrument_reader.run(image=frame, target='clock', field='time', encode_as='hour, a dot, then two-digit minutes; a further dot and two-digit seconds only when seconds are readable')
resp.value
2.16
